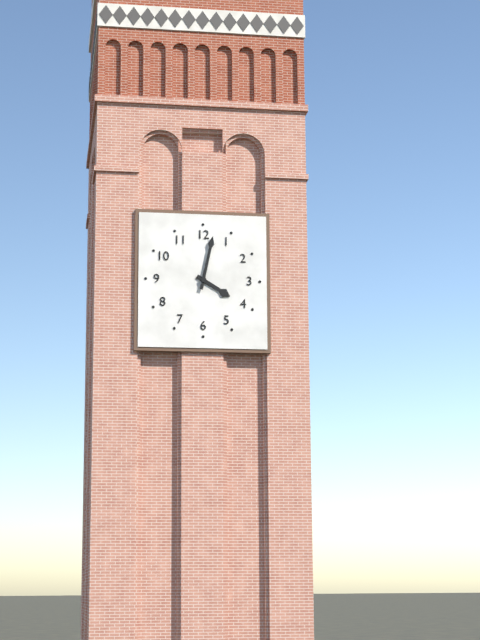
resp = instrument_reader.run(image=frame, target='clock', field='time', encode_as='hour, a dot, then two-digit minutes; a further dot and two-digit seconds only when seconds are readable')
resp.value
4.02
